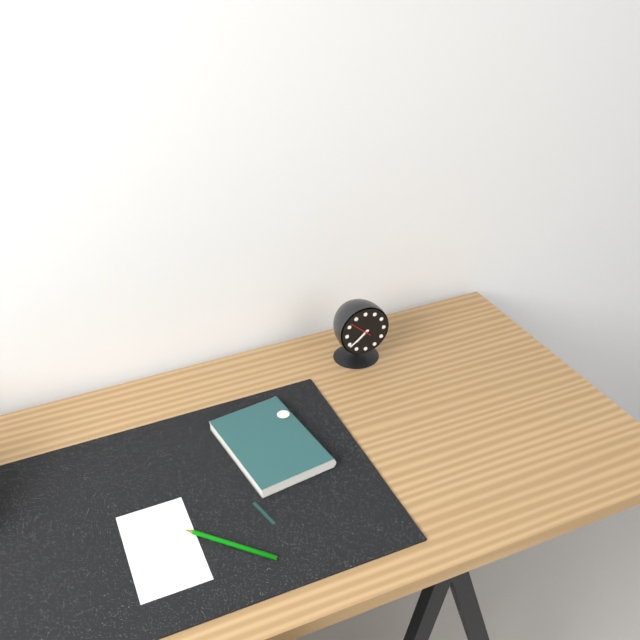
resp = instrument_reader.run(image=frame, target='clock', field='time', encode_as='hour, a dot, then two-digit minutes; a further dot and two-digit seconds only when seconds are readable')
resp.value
7.39
